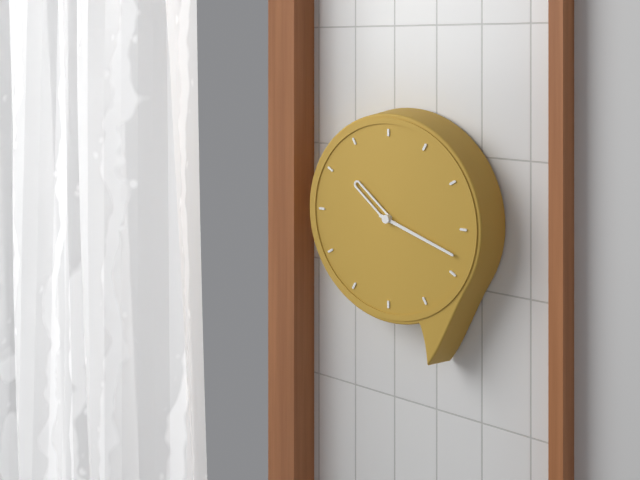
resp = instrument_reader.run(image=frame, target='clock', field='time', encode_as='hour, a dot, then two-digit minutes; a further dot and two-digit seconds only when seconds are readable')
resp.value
10.18
